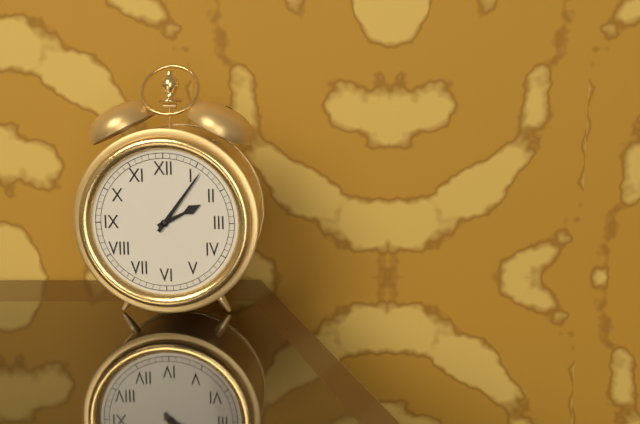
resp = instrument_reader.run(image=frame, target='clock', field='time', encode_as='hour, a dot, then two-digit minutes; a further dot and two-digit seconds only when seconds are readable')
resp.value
2.06
